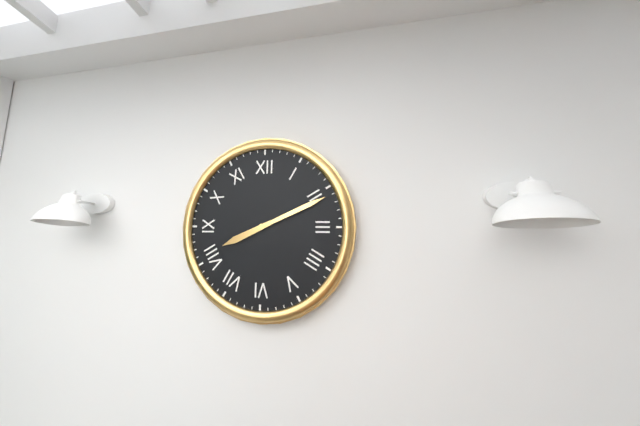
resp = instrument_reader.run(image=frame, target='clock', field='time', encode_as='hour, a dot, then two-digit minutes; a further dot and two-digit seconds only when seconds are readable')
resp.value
8.11
